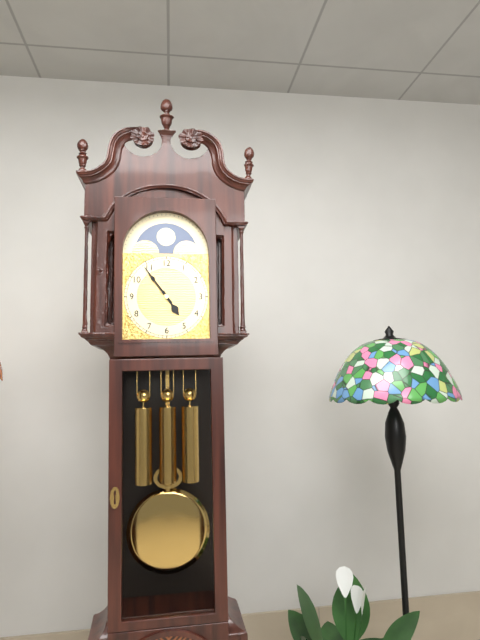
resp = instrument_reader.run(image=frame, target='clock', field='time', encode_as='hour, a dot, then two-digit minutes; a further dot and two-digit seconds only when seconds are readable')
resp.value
4.54
